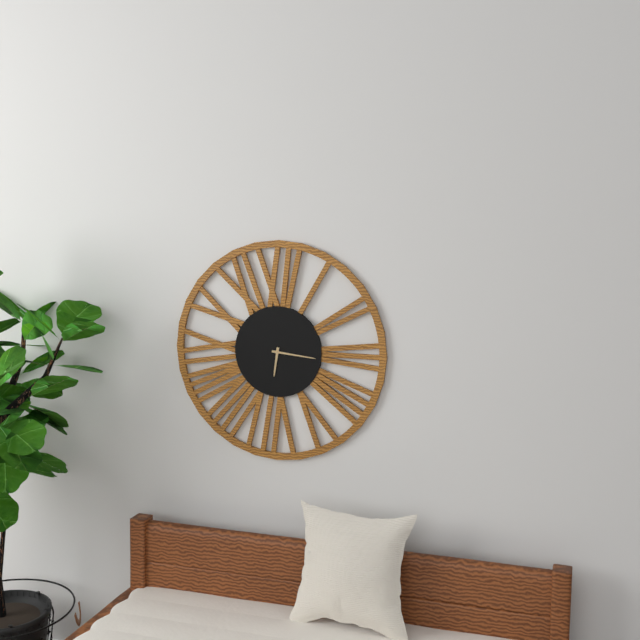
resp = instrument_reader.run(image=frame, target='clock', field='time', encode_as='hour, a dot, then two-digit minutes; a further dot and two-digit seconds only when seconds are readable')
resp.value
6.16
